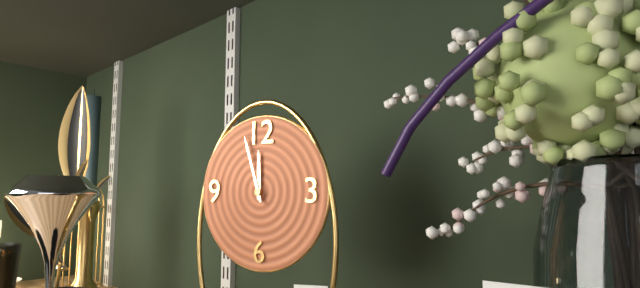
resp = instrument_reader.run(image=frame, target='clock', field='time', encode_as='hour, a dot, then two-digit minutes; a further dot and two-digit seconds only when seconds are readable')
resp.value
11.57
